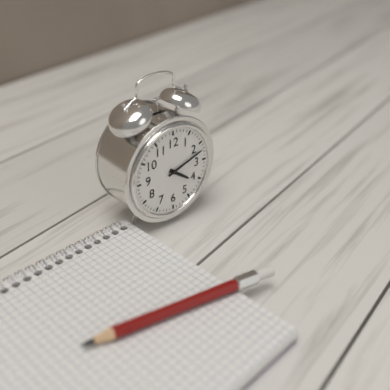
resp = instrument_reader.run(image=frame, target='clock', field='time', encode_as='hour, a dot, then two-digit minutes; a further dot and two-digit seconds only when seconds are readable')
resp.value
4.12
